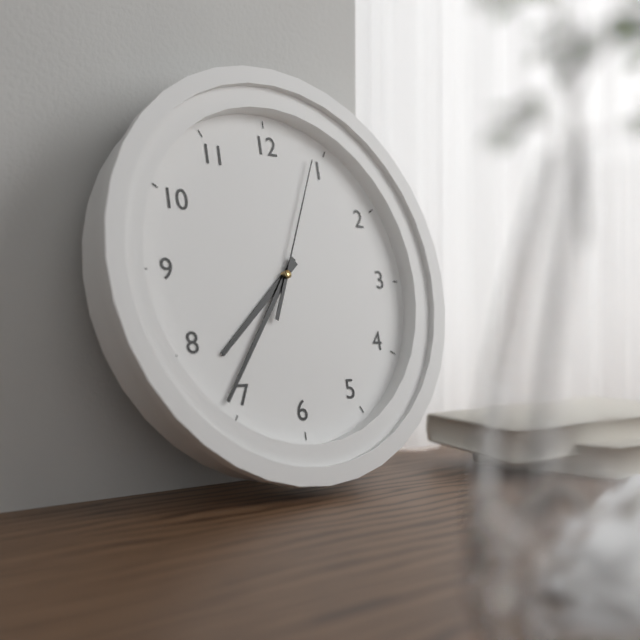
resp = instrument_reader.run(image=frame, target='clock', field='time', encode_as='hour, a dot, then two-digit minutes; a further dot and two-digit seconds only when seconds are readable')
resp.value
7.36.04
